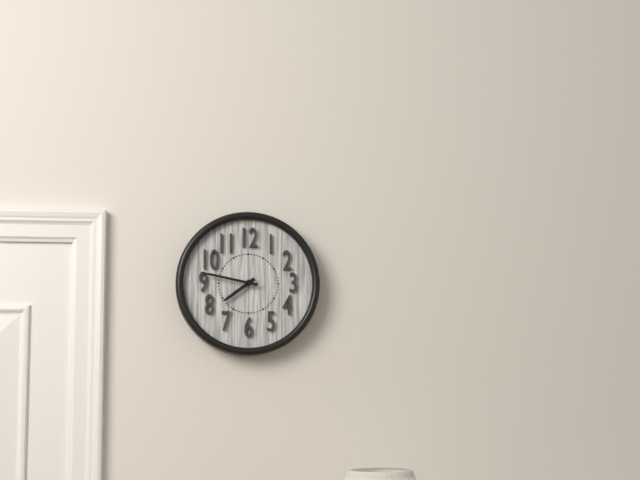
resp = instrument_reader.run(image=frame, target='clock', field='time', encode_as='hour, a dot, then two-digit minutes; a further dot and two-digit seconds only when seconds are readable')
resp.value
7.47
